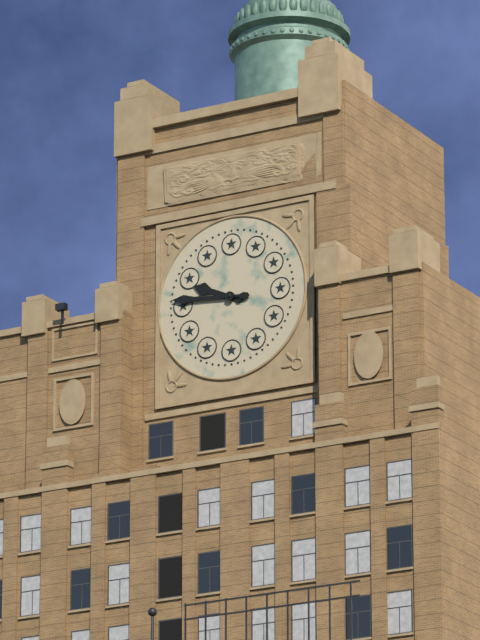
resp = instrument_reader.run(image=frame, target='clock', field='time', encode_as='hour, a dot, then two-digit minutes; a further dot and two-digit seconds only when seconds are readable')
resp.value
9.46
